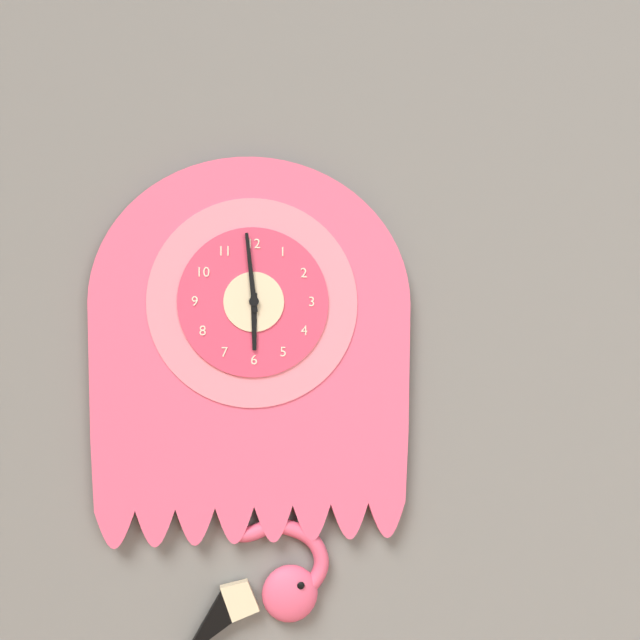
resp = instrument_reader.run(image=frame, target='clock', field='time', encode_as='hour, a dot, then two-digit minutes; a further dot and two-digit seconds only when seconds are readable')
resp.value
5.59
